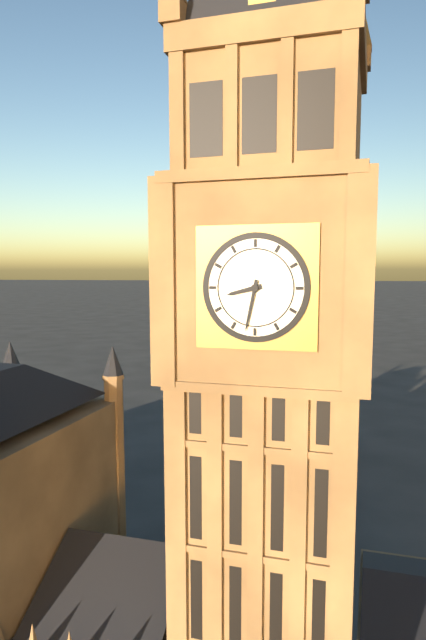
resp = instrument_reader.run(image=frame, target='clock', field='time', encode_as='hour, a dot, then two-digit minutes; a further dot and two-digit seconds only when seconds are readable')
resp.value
8.32
